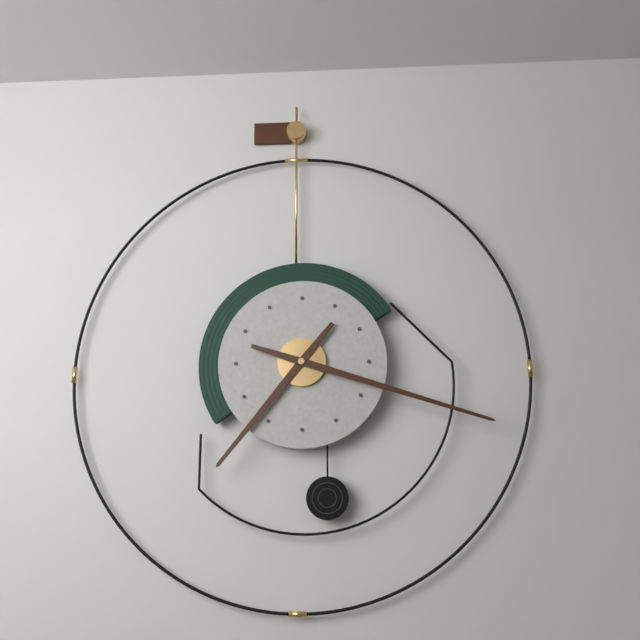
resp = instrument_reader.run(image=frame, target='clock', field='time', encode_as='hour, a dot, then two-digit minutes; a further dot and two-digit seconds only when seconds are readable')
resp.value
7.18
